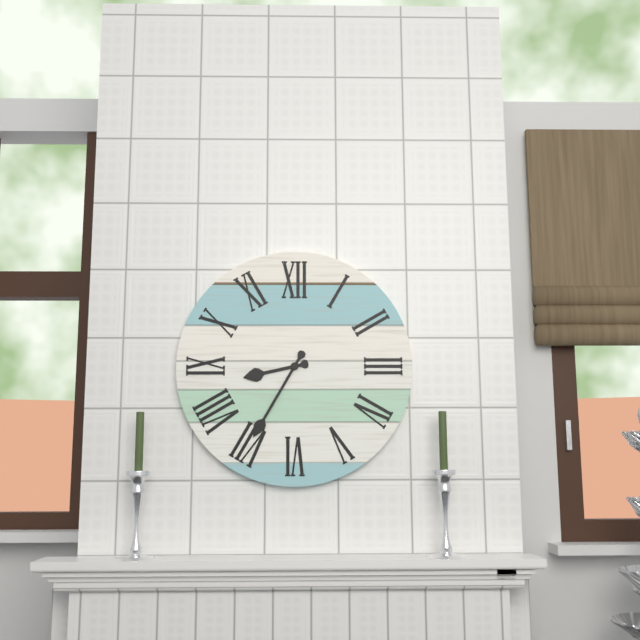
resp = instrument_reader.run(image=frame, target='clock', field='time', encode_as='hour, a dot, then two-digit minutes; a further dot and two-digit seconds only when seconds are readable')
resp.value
8.35
